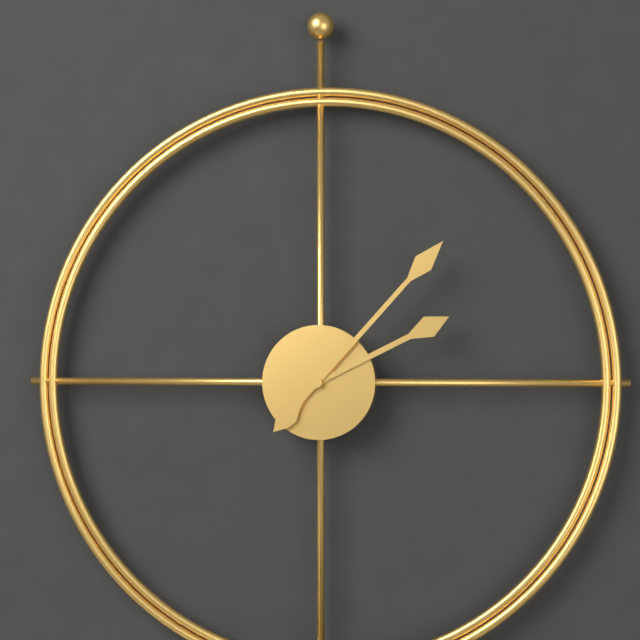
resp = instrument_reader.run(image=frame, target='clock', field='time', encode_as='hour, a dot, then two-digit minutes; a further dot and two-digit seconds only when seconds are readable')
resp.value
2.07
